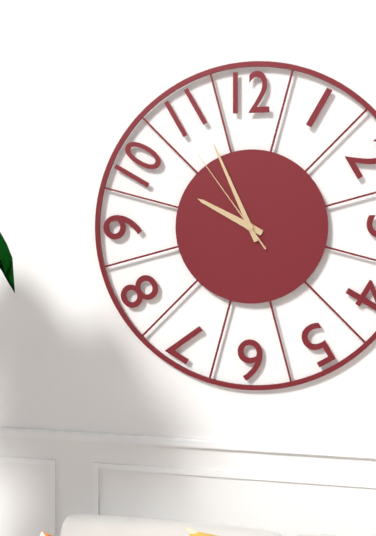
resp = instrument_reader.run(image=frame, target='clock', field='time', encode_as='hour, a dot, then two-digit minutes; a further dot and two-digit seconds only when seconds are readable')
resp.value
9.56.54
